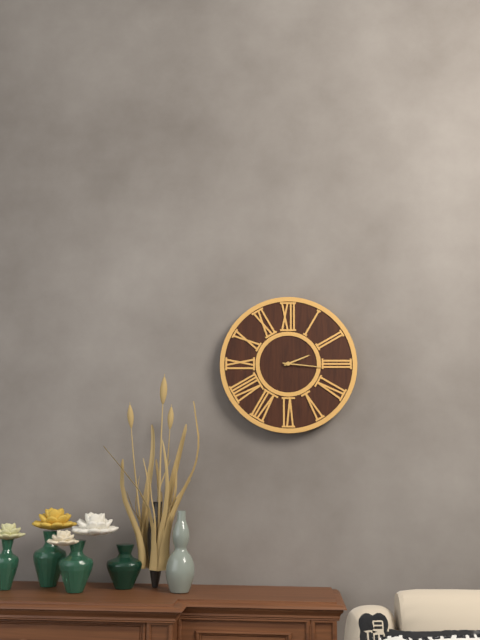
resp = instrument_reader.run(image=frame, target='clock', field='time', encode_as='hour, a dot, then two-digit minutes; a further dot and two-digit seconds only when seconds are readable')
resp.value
2.16
